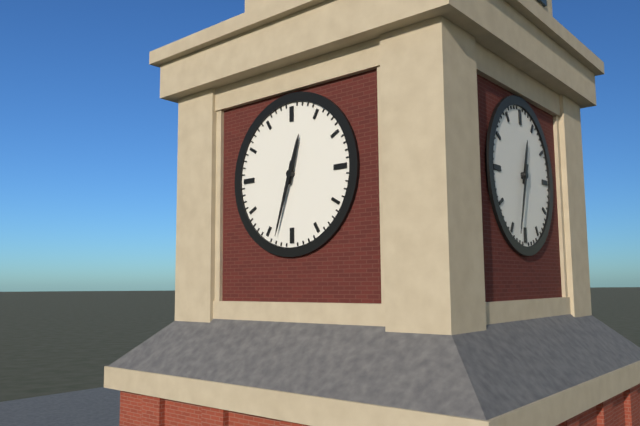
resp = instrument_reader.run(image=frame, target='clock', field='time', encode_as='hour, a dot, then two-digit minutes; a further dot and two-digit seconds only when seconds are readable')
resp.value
12.33
